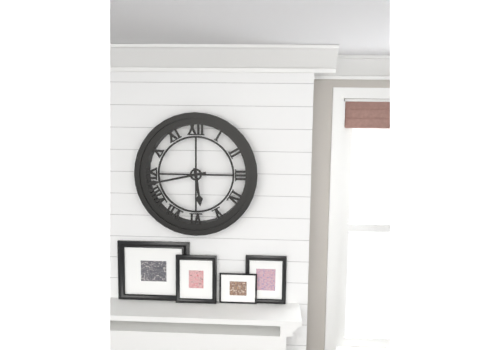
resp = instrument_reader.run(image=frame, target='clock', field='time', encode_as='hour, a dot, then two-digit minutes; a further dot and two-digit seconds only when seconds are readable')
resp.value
5.43
